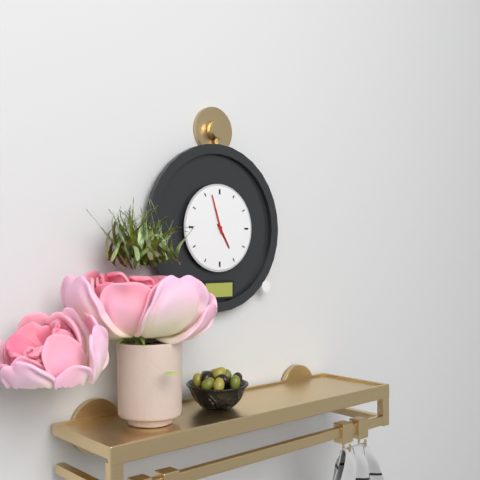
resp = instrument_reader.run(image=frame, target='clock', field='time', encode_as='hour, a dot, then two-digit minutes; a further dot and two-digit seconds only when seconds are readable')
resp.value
4.57
